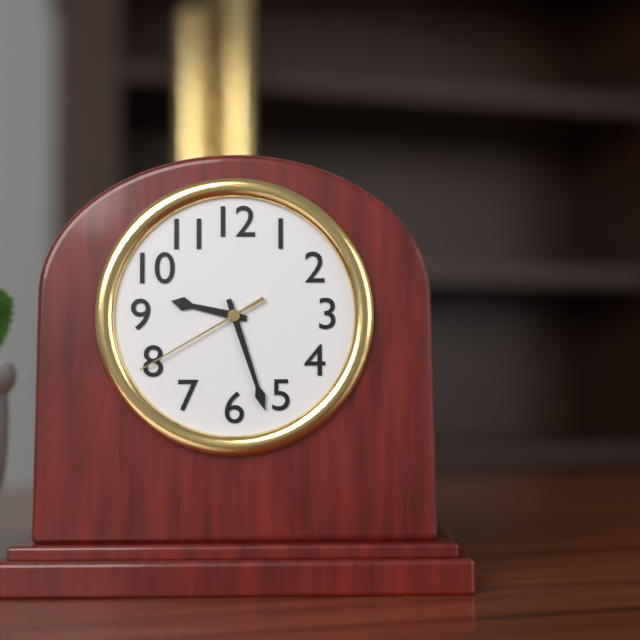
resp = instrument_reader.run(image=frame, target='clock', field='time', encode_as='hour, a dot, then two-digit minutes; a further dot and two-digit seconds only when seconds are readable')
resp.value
9.27.40
